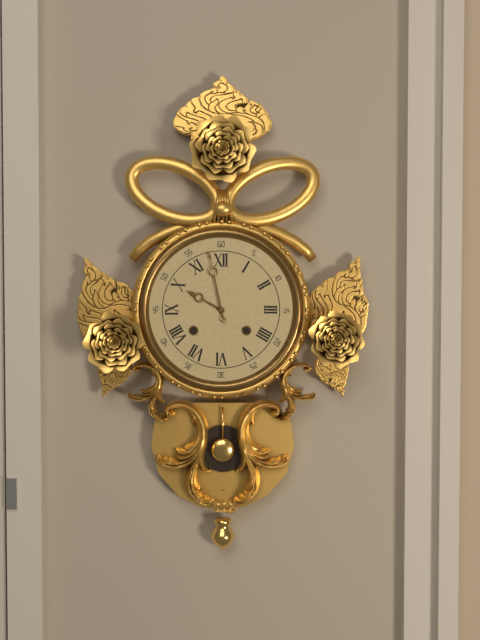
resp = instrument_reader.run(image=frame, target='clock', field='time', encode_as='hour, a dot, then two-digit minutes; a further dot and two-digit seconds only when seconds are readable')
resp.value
9.58
